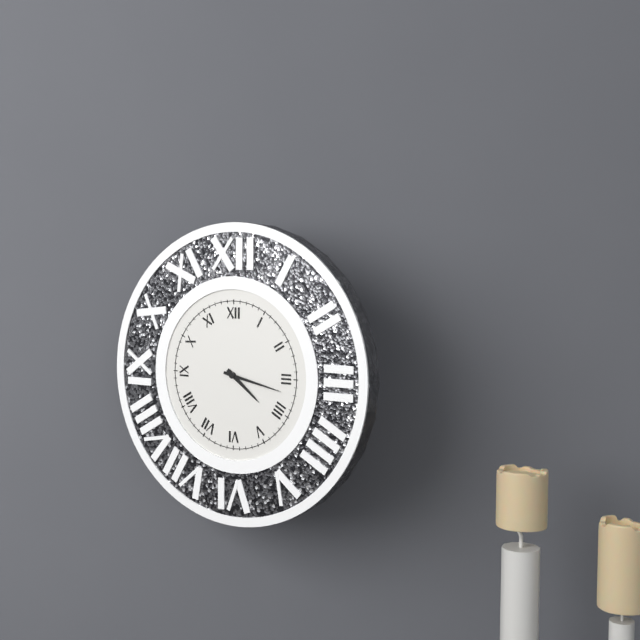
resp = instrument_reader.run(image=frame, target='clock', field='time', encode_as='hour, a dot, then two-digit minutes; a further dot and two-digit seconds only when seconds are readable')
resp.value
4.17
